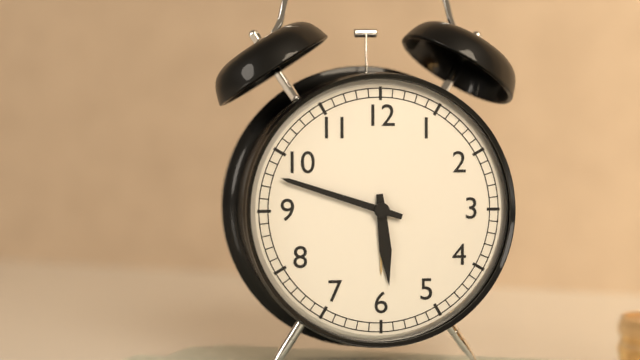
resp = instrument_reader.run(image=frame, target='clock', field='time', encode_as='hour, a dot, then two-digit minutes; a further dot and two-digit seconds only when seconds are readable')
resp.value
5.48
